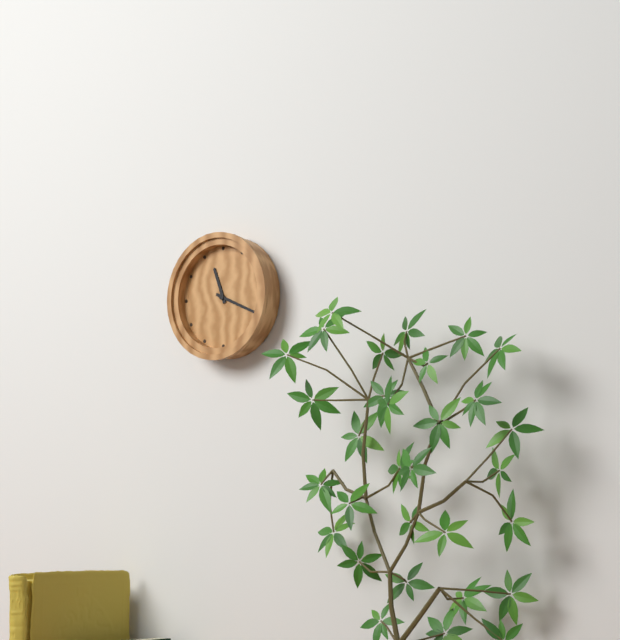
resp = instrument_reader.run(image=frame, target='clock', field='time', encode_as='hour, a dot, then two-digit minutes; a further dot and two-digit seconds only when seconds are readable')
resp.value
11.19
